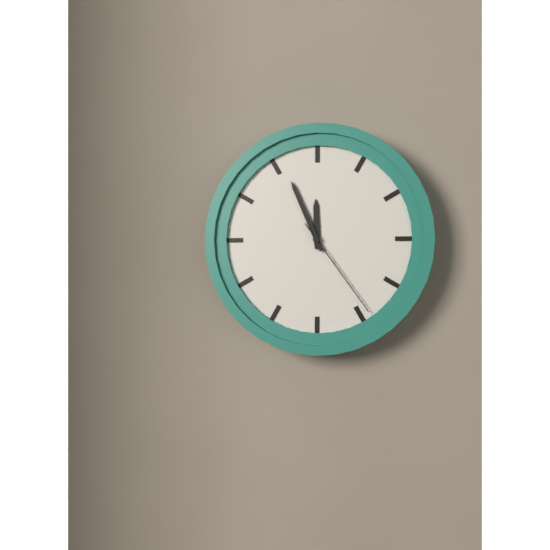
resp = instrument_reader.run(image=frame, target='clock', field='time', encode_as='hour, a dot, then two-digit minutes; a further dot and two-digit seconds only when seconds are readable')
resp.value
11.56.24
